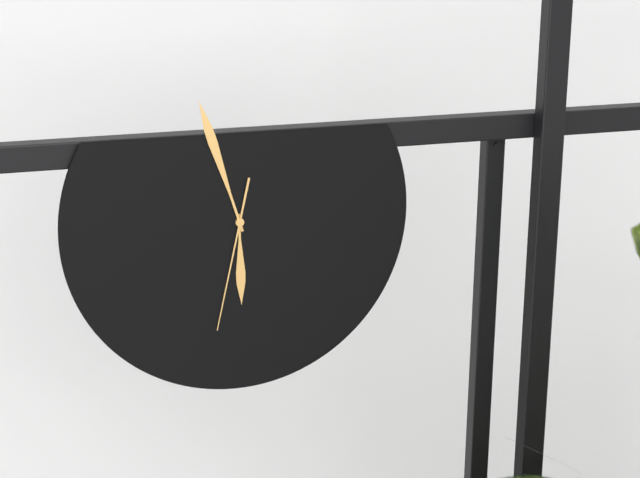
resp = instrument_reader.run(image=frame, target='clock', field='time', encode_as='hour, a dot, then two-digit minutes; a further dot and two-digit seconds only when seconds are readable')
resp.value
5.57.32
